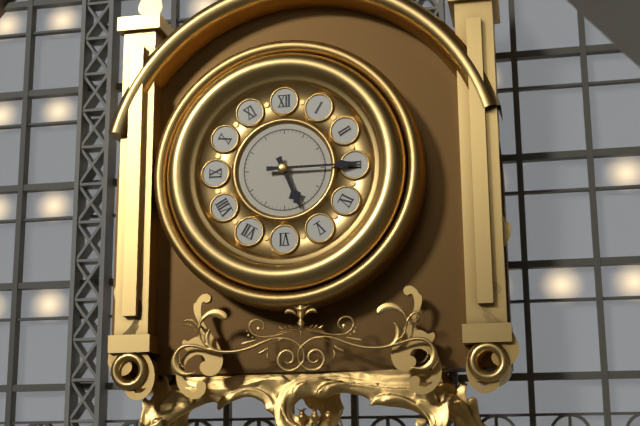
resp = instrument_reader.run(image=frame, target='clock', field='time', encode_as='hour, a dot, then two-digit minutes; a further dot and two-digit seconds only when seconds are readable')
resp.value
5.15
